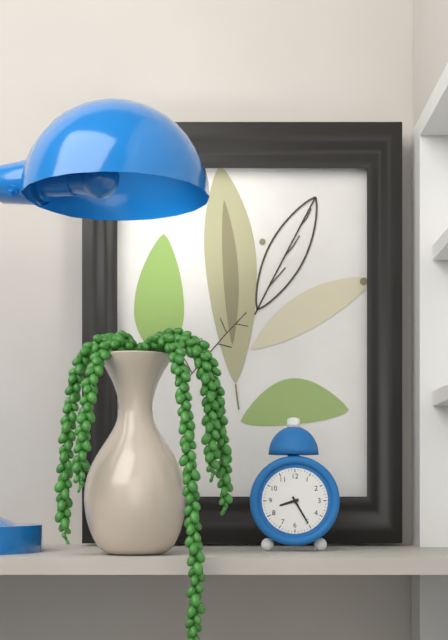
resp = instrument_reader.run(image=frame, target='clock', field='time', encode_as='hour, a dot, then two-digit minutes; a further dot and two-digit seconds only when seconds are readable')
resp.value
8.25
